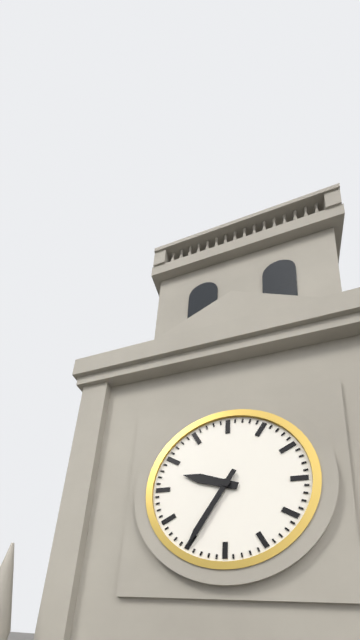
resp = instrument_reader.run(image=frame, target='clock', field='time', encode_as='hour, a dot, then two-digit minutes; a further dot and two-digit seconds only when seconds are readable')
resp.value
9.35
